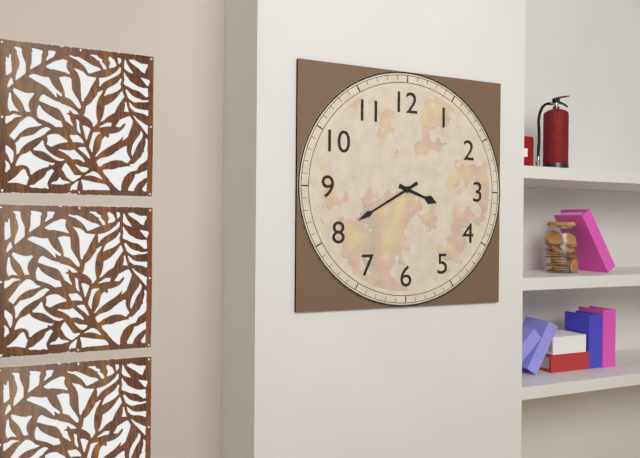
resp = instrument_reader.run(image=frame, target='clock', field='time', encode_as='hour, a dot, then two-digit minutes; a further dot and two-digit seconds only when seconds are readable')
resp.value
3.40
